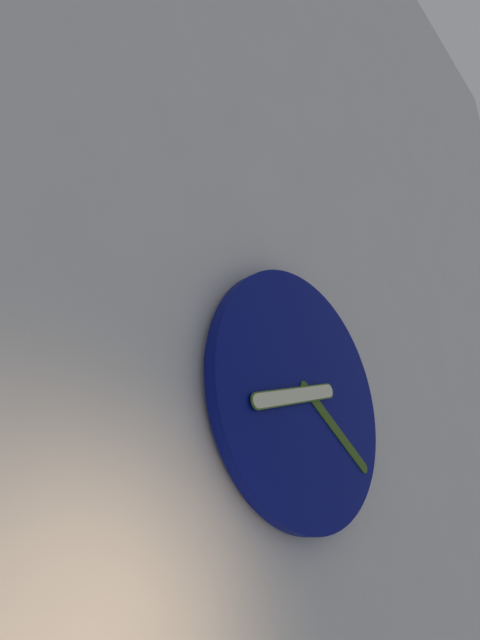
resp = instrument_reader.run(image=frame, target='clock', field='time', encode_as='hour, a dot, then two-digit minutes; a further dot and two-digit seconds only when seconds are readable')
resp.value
8.20
